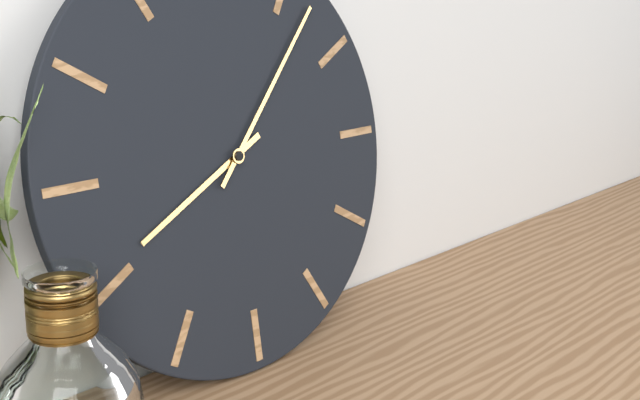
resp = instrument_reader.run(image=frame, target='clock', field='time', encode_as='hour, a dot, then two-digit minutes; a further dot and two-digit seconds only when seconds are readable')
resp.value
8.07
